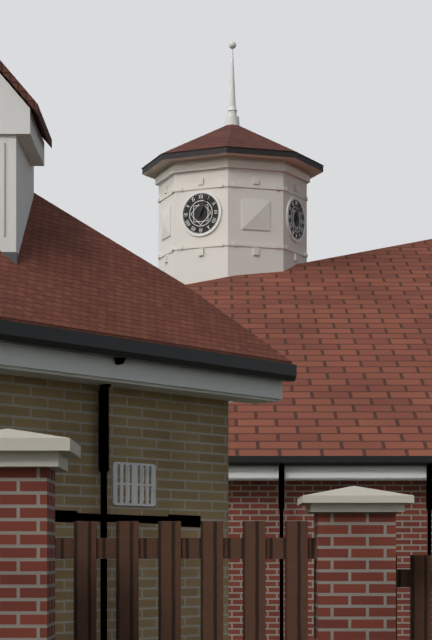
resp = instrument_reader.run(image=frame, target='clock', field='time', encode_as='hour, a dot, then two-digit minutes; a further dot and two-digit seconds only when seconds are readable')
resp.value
12.04
